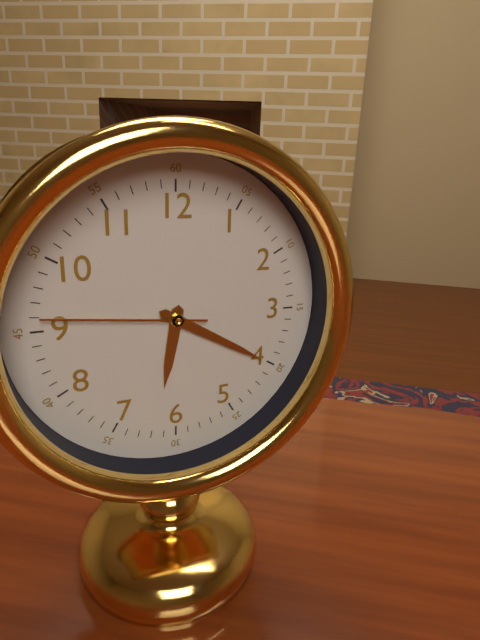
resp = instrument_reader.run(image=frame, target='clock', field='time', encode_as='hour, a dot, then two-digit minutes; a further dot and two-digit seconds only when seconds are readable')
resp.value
6.20.46
